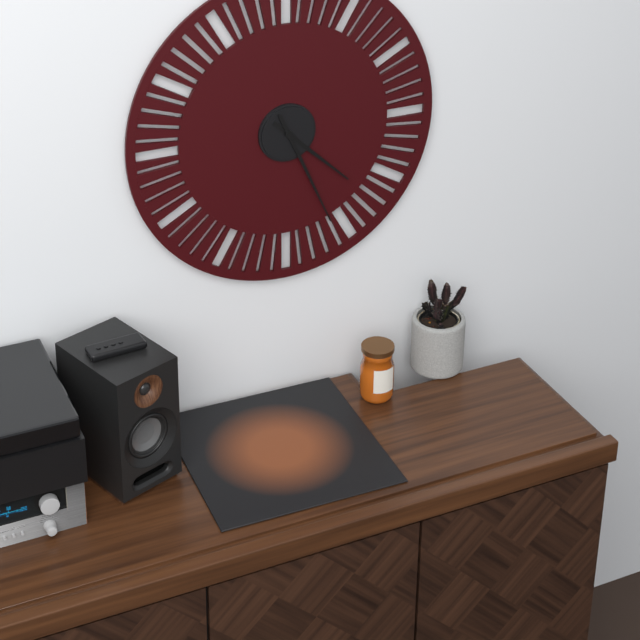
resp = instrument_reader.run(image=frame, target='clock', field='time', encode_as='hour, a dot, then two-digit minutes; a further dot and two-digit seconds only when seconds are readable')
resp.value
4.26
